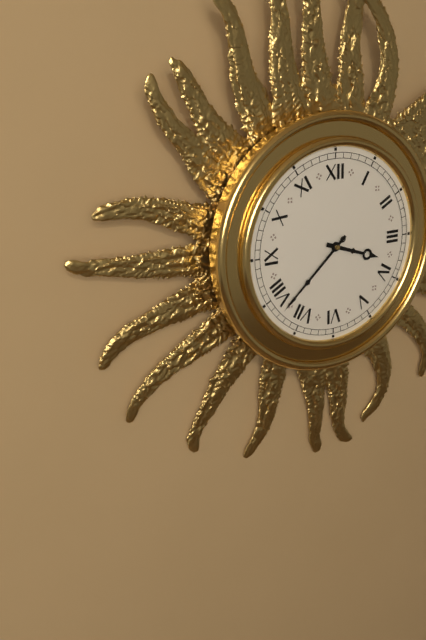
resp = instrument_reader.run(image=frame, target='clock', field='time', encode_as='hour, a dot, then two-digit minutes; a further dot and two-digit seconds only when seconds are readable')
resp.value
3.38
